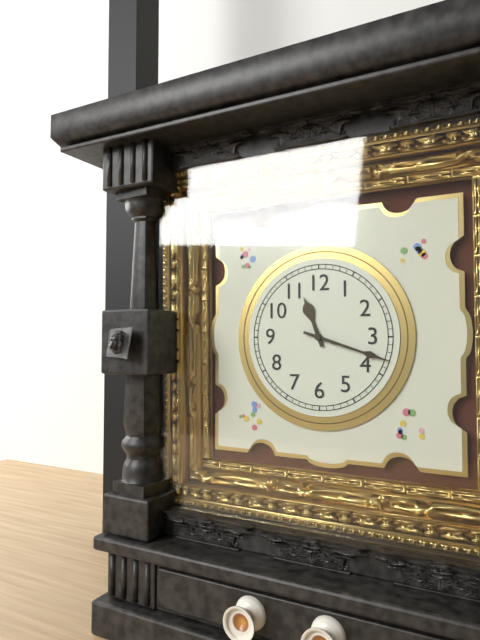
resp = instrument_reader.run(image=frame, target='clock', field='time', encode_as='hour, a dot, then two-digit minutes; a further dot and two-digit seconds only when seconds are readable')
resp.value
11.18
